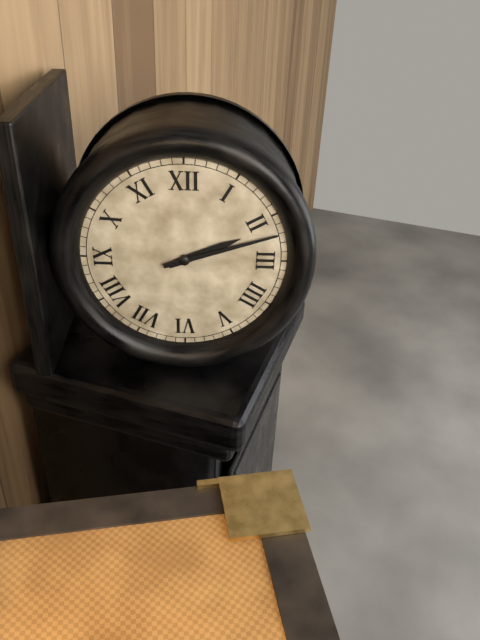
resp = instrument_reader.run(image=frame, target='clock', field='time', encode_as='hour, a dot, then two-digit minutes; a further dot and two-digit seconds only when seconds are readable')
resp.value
2.12
